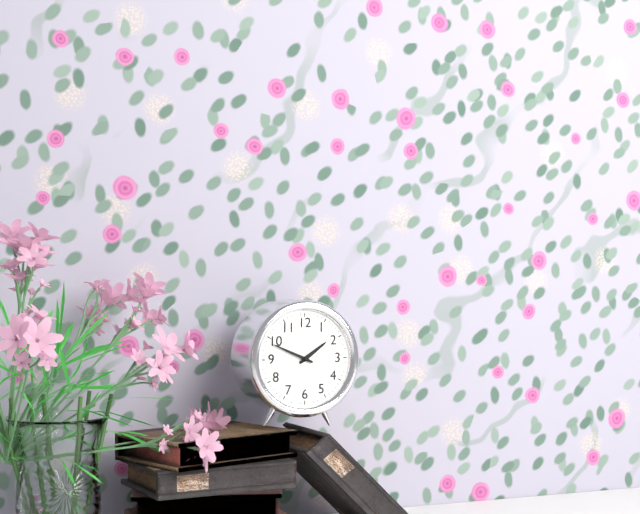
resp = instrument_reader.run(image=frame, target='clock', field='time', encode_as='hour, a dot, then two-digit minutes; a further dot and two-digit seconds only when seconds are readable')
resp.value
1.49
